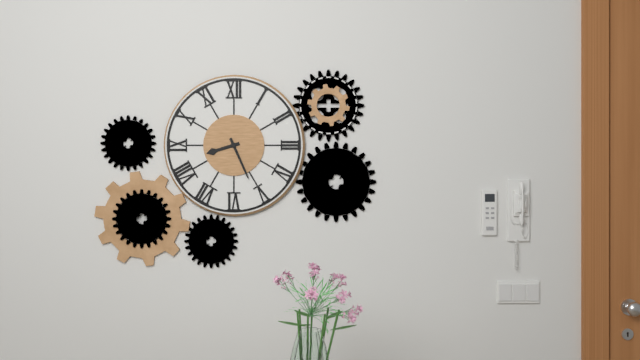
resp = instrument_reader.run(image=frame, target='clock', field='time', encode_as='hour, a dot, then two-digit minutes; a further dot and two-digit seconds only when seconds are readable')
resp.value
8.26
